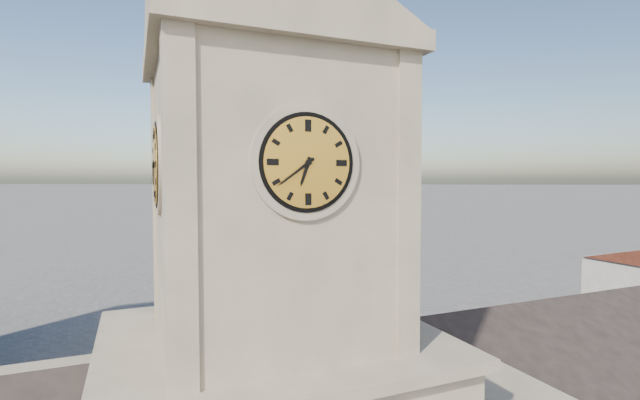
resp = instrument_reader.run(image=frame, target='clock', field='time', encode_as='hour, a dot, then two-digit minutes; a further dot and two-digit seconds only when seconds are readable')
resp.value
6.39
